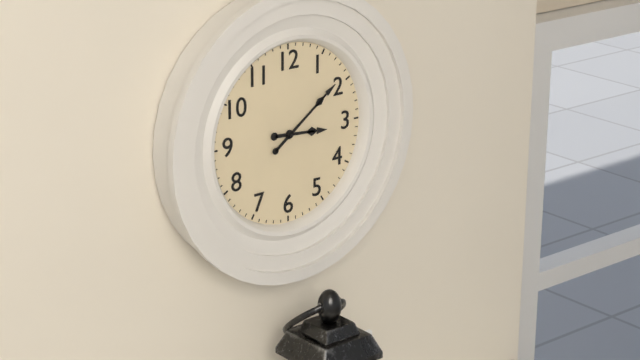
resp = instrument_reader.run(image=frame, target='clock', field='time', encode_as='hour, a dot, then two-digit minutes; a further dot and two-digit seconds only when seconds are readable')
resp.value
3.09
